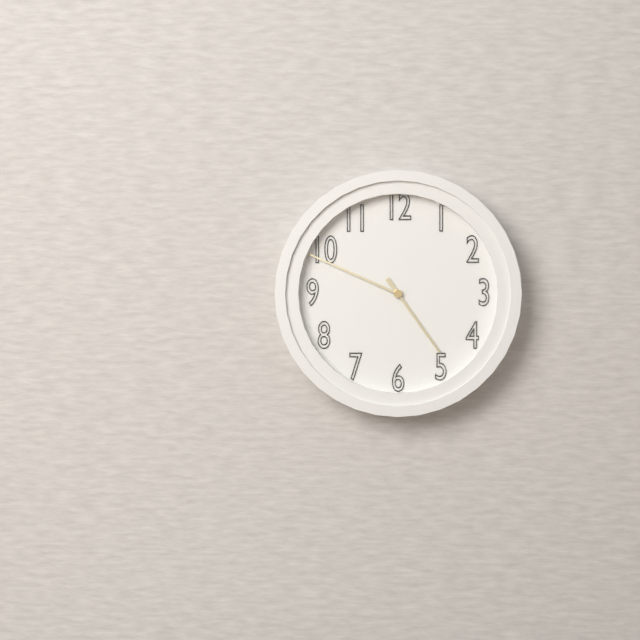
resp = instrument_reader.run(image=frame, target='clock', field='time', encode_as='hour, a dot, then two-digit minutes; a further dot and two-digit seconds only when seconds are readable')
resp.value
4.49
